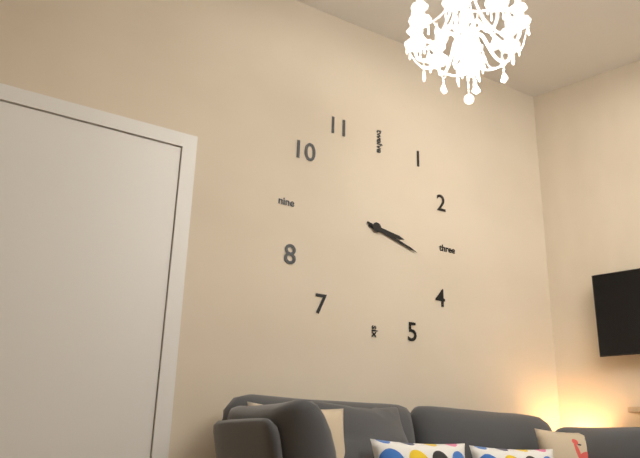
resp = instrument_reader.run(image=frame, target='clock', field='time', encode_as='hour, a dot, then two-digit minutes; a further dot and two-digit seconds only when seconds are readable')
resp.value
3.18
